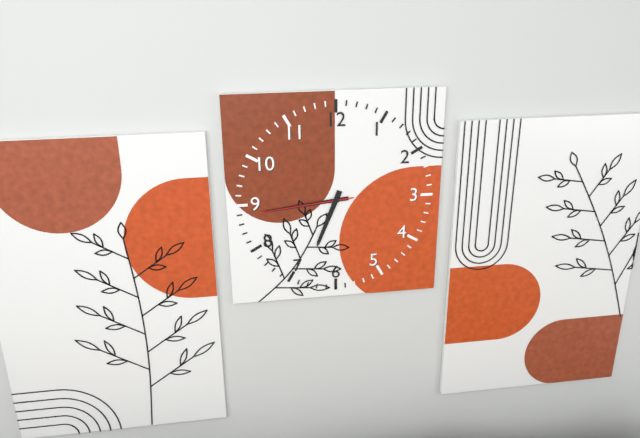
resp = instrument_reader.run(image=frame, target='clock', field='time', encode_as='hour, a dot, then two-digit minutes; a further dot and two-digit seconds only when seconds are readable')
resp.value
6.44.44
